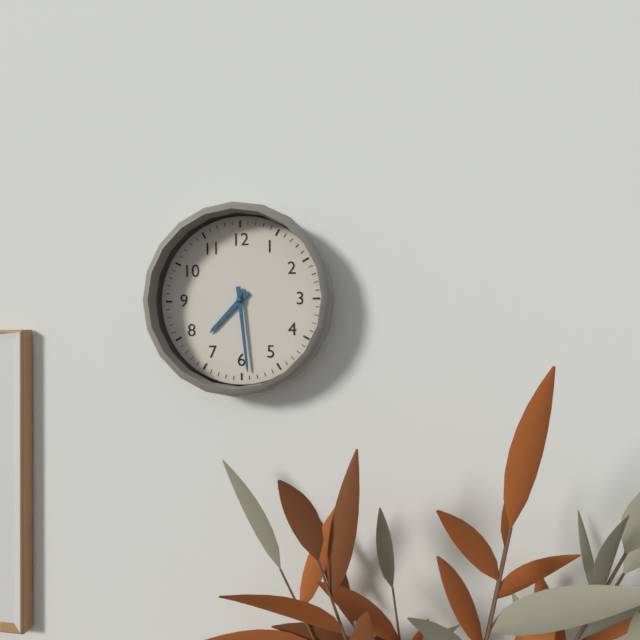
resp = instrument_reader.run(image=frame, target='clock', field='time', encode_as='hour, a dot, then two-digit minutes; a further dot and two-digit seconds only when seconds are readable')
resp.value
7.29
